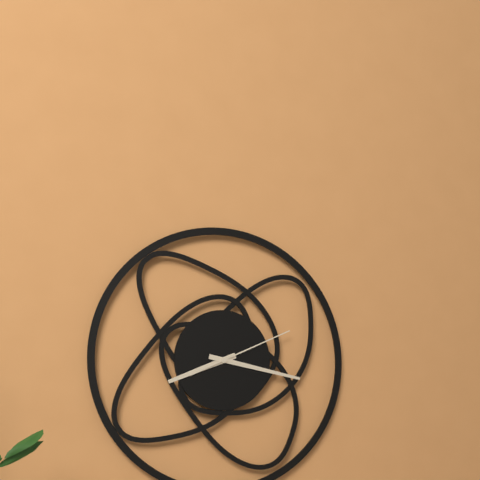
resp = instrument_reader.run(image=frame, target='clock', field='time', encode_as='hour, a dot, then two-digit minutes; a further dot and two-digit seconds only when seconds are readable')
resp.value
8.17.11
